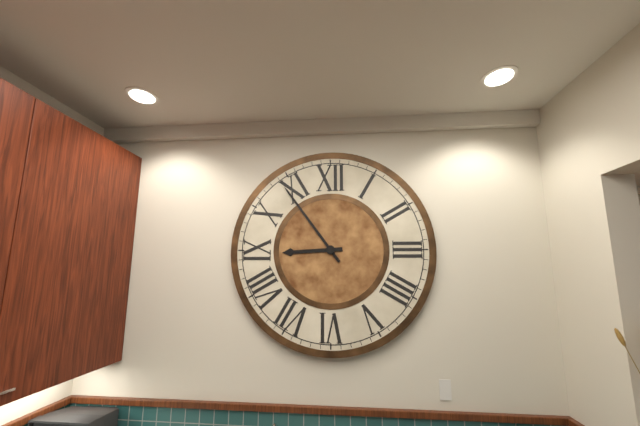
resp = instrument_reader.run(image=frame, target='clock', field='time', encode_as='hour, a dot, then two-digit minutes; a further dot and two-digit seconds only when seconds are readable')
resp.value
8.54
